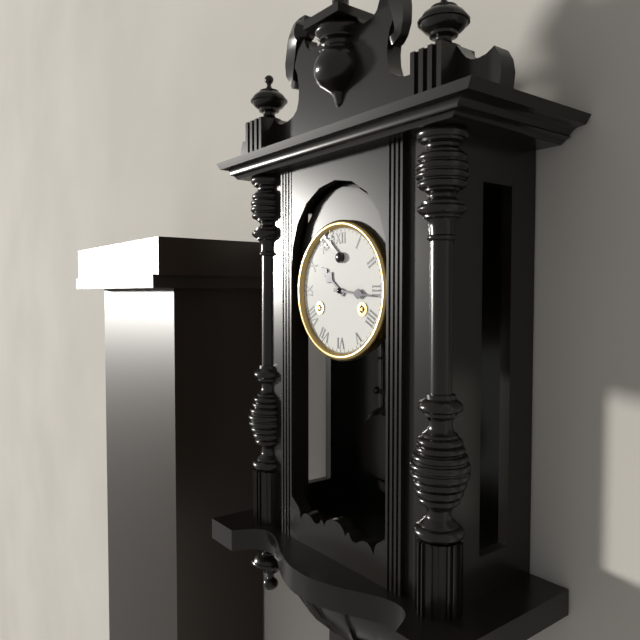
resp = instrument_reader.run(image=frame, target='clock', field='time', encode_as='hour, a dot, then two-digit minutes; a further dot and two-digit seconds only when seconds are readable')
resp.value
10.16
